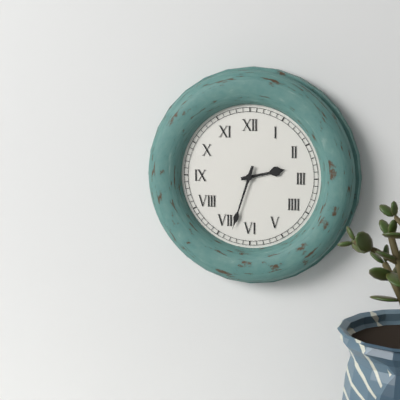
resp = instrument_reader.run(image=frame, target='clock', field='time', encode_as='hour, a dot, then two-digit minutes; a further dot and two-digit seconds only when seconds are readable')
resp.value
2.33
